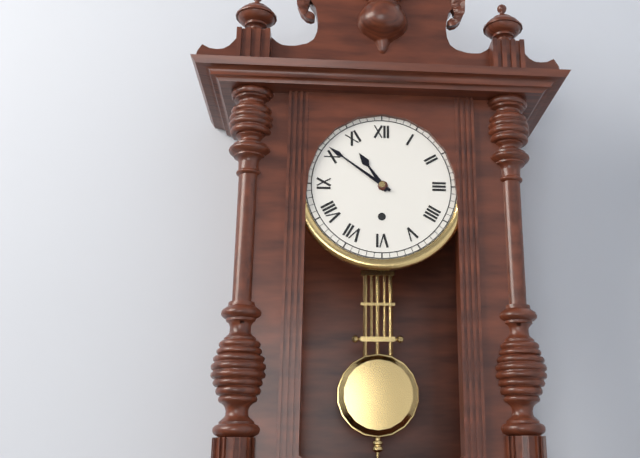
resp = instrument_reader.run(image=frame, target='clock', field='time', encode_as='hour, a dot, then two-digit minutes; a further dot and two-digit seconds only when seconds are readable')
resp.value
10.51
